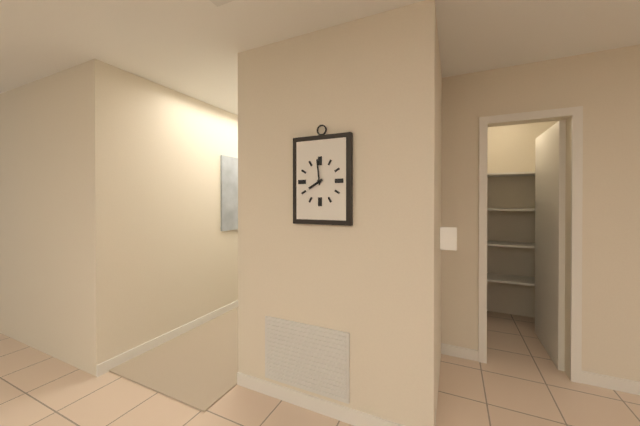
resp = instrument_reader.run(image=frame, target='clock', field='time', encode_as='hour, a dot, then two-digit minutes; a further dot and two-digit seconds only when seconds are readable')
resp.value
7.59
